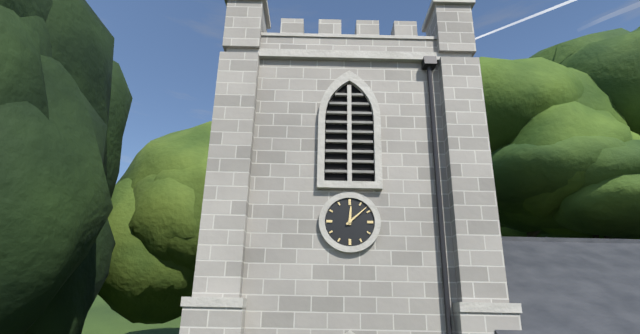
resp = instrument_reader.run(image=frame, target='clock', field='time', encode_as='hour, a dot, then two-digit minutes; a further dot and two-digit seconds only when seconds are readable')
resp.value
12.08
